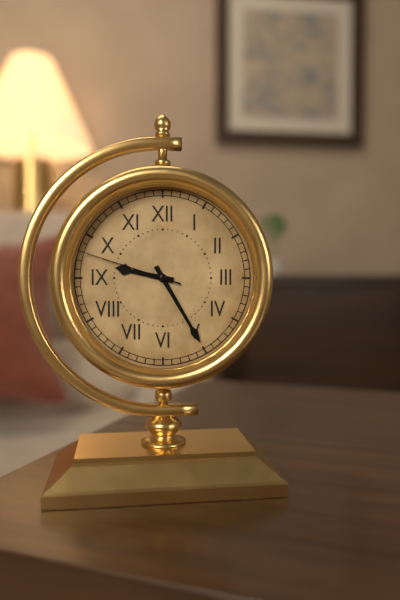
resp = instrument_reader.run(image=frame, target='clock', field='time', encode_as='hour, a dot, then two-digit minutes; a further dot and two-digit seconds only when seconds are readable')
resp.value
9.25.48
